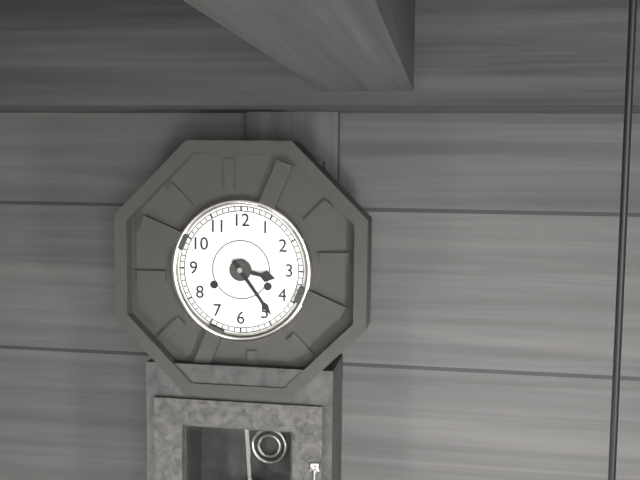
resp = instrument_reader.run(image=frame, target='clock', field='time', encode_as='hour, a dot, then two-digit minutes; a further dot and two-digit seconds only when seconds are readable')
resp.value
3.24
